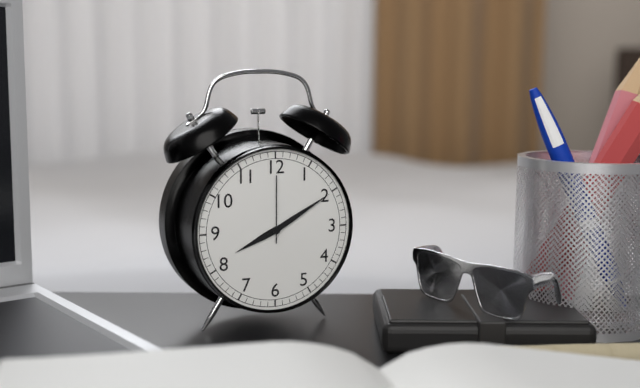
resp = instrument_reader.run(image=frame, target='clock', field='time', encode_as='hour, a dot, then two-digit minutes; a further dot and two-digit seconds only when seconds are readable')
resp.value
8.10.00
